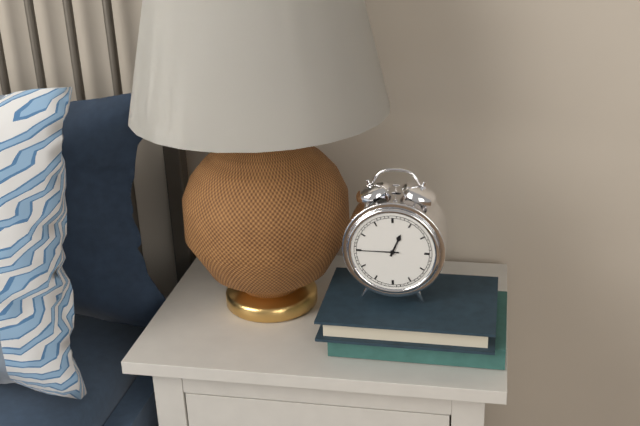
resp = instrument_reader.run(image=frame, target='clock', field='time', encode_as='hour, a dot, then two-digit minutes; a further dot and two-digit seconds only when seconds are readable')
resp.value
12.45
